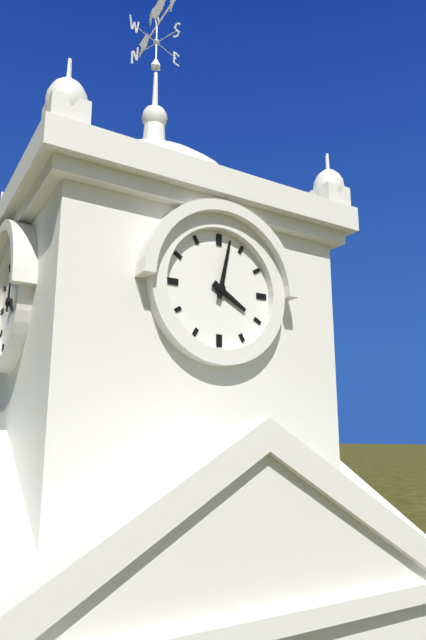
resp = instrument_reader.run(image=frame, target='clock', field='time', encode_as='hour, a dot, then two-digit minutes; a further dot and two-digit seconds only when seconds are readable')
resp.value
4.02
